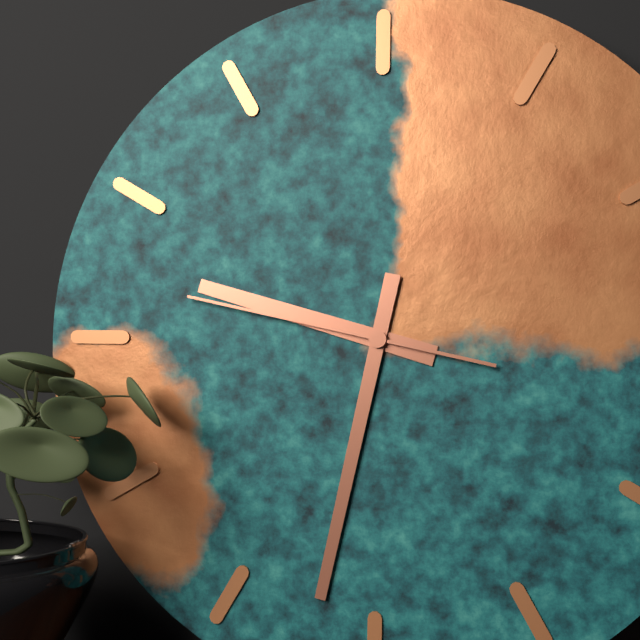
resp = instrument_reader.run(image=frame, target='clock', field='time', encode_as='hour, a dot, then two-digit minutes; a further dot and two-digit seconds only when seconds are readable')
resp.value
9.32.47
